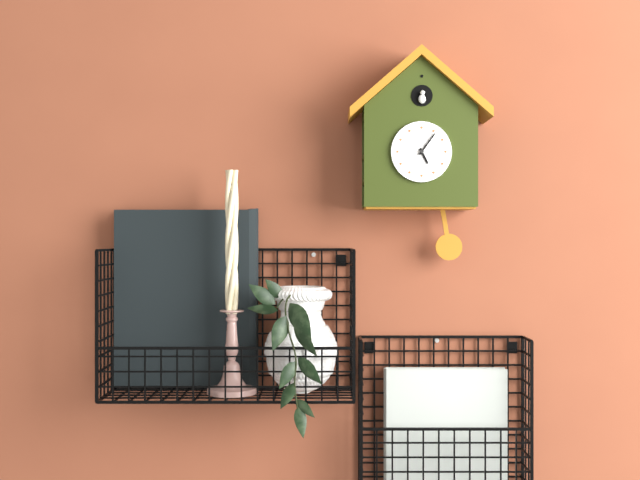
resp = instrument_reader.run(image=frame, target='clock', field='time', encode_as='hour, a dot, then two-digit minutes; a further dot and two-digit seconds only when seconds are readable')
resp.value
5.06
